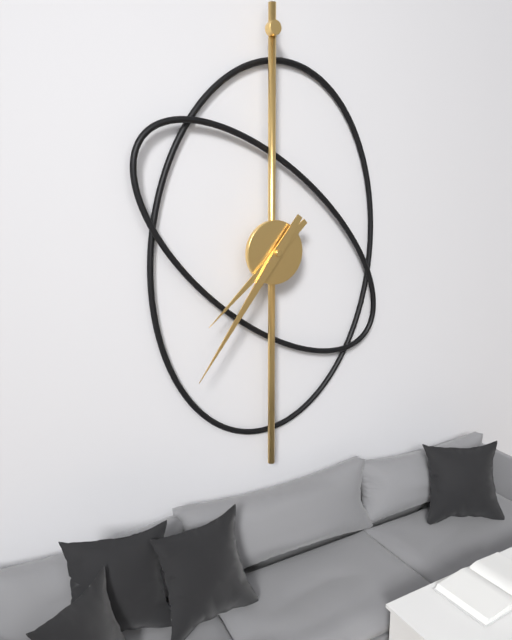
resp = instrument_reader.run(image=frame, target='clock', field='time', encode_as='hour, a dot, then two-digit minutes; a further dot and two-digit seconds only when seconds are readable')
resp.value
7.36
